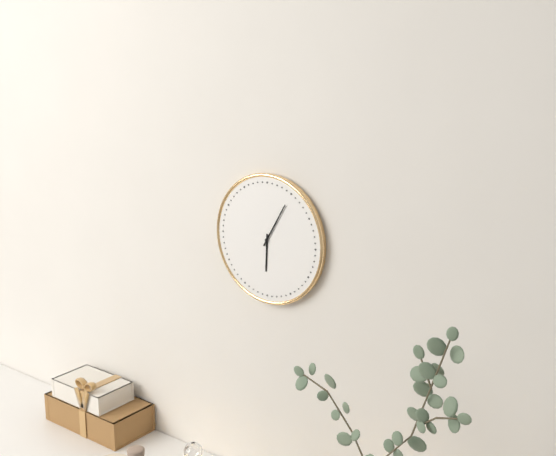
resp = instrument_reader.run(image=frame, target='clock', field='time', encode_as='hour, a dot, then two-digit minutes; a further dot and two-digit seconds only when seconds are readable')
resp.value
6.05
